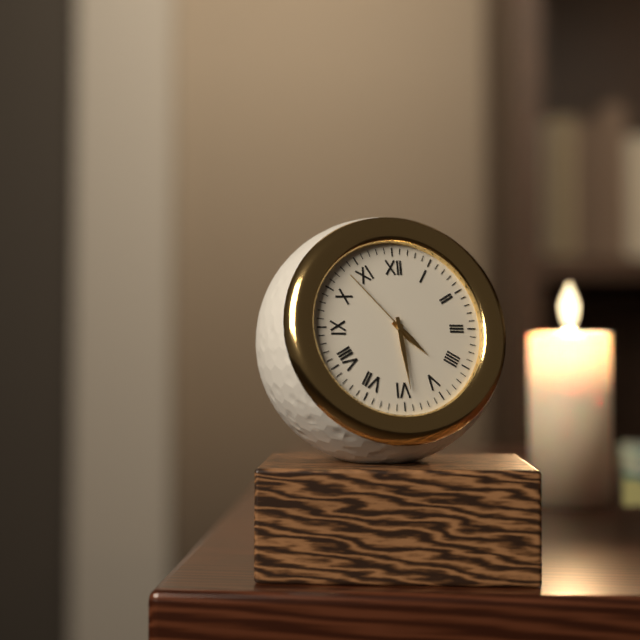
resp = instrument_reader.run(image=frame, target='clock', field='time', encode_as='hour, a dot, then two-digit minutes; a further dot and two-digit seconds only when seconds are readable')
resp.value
4.29.53
